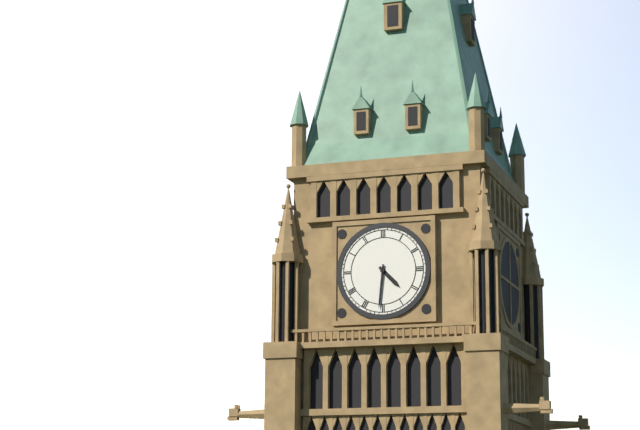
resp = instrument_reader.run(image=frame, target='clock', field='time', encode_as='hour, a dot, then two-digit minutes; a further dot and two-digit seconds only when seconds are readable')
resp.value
4.31
